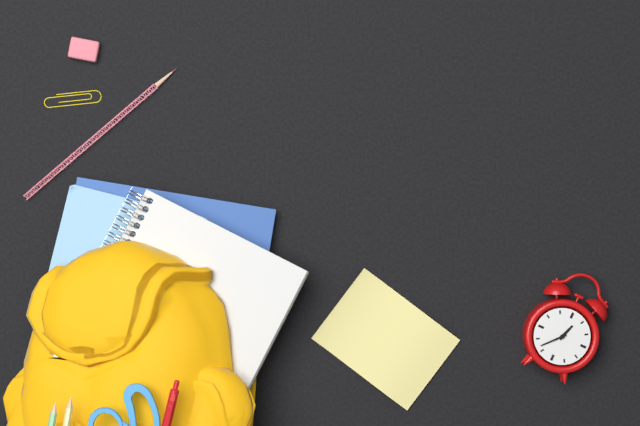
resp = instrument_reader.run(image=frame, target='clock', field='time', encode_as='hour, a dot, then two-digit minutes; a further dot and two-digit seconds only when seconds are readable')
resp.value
12.37
